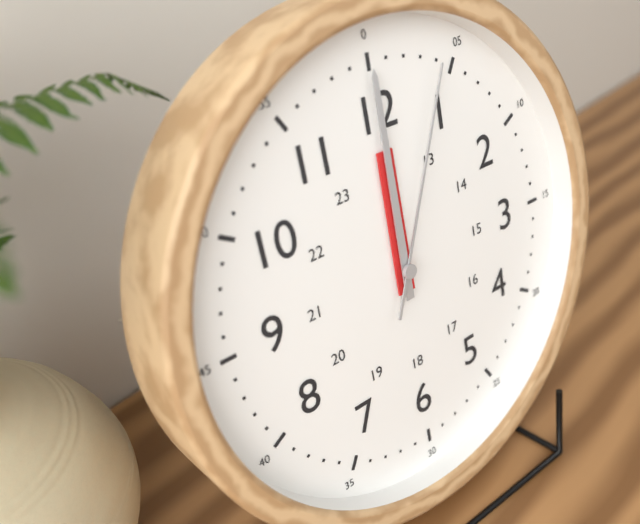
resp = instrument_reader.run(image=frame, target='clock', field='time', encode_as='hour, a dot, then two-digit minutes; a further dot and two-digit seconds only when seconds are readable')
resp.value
12.00.04
